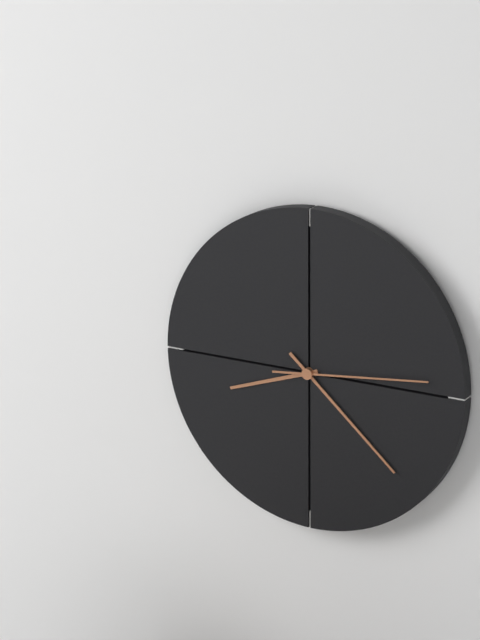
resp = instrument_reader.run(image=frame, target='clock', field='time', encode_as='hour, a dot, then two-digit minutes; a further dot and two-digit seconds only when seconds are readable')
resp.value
8.22.14
